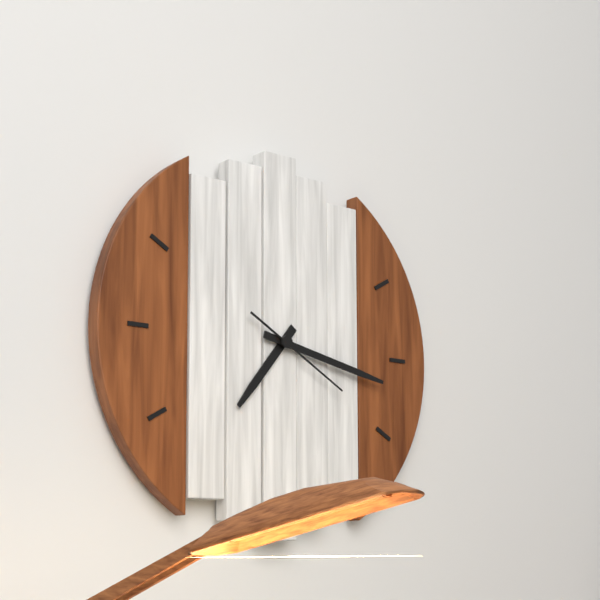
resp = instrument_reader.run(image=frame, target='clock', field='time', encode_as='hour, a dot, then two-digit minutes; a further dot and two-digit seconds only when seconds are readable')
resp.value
7.17.20
